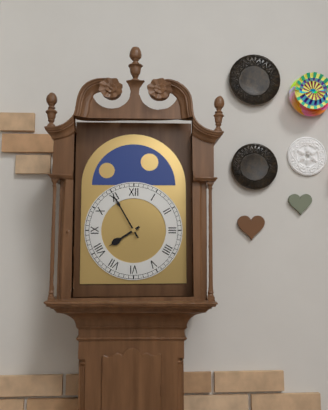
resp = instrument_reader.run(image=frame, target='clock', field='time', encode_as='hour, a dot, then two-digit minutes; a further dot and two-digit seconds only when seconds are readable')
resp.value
7.55
